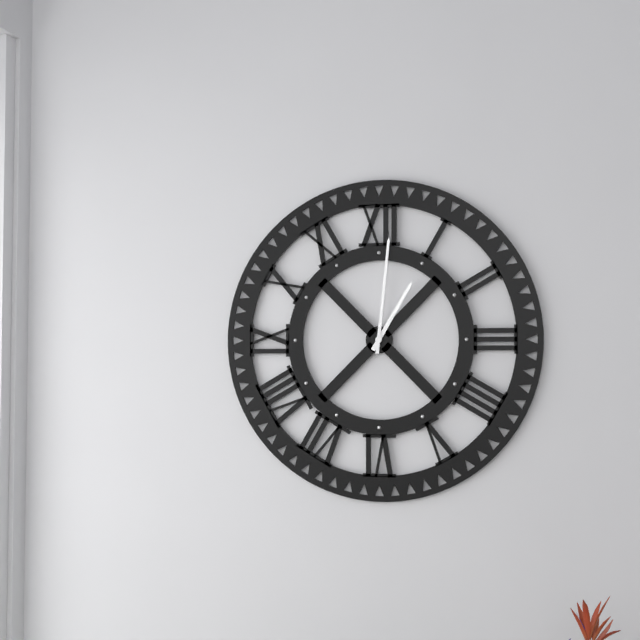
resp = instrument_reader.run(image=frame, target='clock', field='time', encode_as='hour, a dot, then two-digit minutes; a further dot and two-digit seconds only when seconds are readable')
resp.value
1.01
